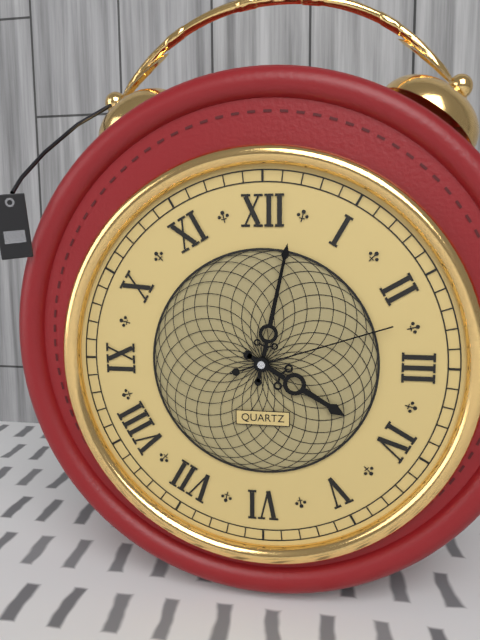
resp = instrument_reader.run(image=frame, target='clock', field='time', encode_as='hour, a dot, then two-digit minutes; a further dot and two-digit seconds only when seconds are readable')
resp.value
4.02.12
